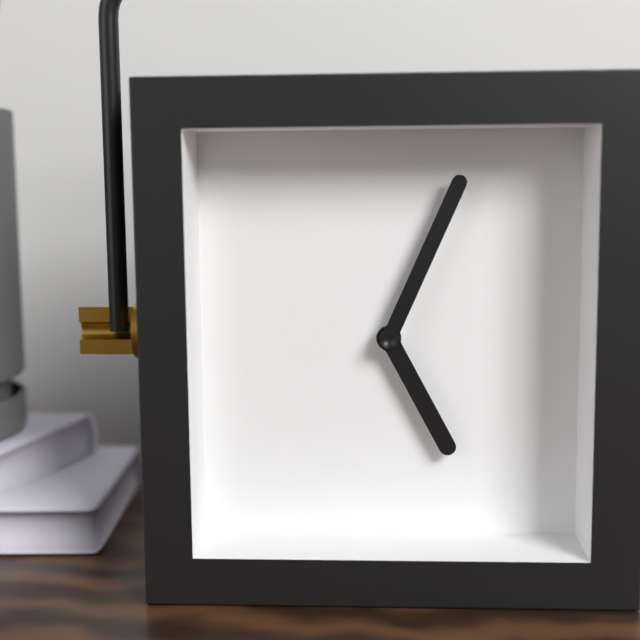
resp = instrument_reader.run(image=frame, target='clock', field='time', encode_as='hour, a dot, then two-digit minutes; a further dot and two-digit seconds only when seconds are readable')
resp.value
5.04
